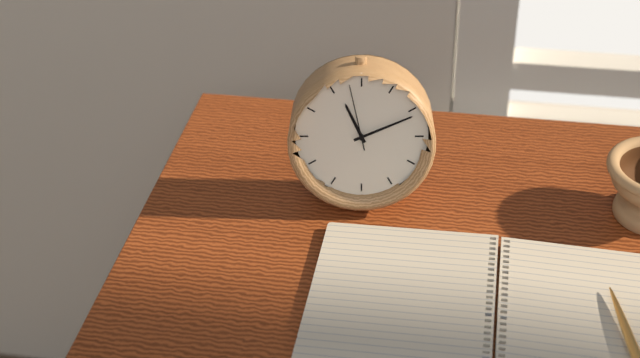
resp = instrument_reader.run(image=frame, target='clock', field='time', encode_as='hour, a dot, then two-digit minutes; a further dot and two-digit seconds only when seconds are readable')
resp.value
11.11.58
